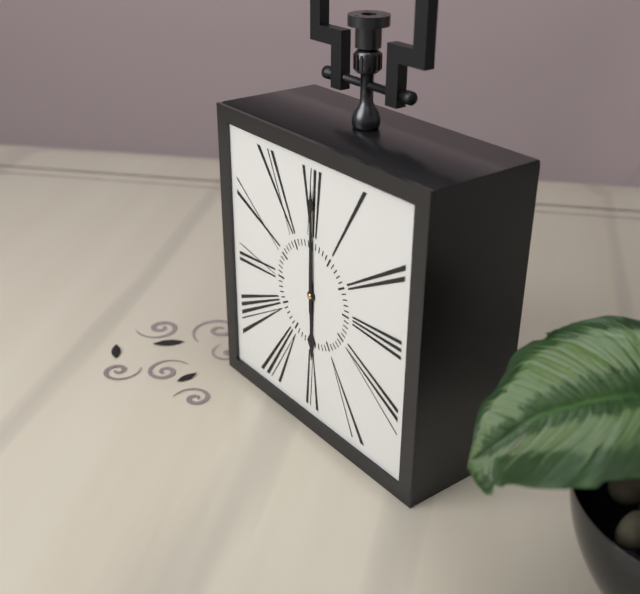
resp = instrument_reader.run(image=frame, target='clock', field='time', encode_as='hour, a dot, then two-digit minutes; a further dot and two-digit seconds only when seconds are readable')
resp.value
6.00
